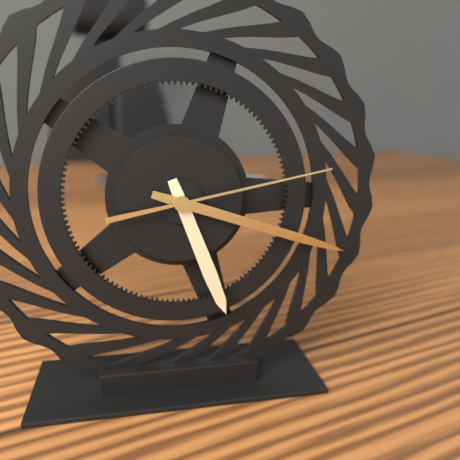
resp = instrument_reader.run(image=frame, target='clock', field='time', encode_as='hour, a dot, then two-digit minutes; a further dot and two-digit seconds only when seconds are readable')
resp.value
5.18.13
